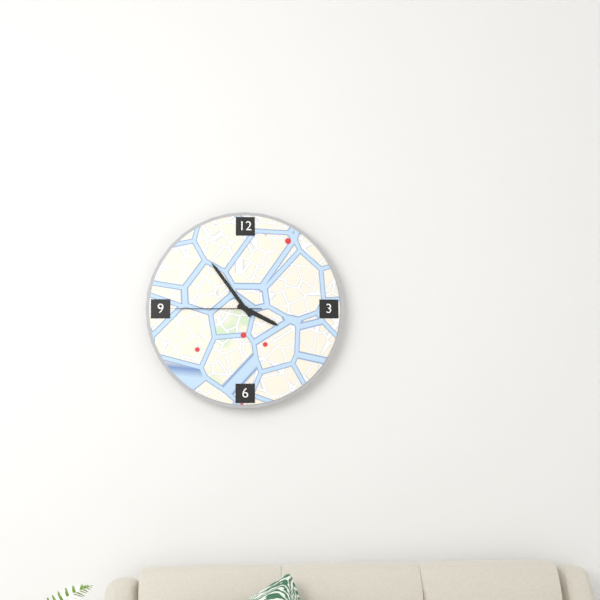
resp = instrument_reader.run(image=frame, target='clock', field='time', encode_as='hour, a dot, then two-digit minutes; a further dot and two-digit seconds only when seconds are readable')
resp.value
3.54.45
